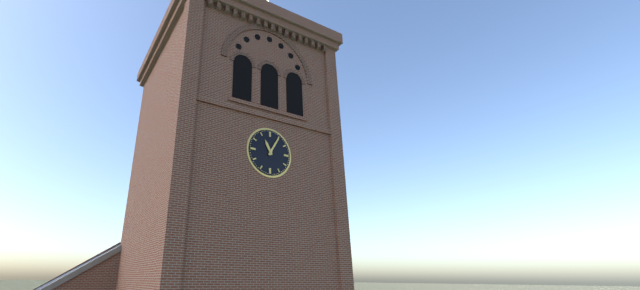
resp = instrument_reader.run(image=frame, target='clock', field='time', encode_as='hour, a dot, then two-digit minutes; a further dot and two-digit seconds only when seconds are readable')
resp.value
11.05
